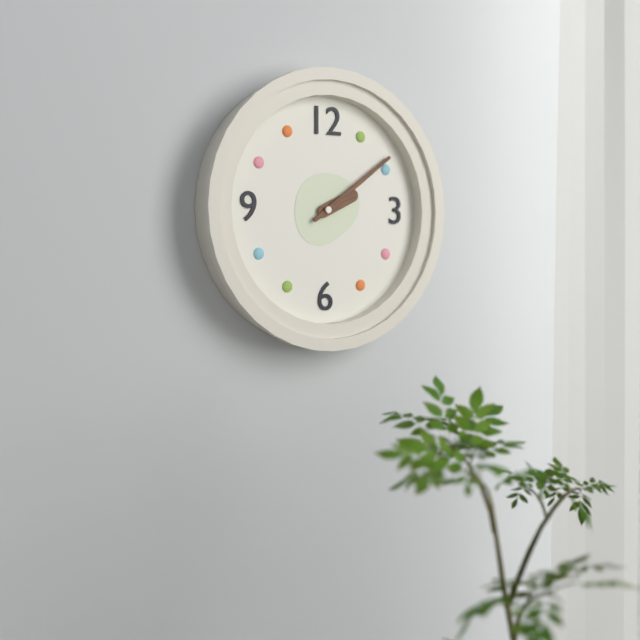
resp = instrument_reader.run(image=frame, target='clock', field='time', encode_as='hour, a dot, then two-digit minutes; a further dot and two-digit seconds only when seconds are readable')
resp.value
2.09
